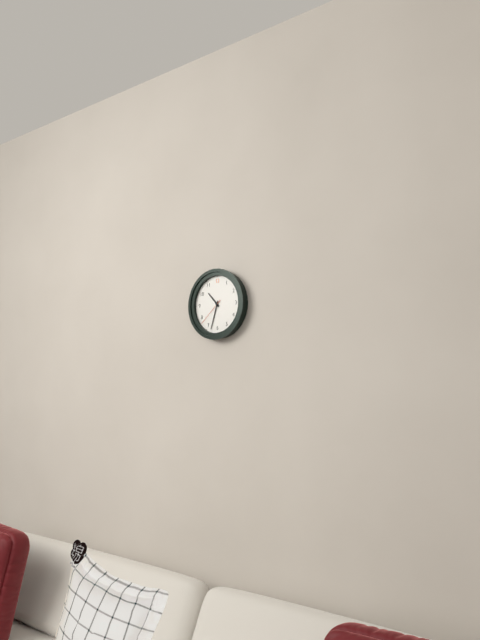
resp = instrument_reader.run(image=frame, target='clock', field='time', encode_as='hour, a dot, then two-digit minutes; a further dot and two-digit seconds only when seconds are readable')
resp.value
10.33
